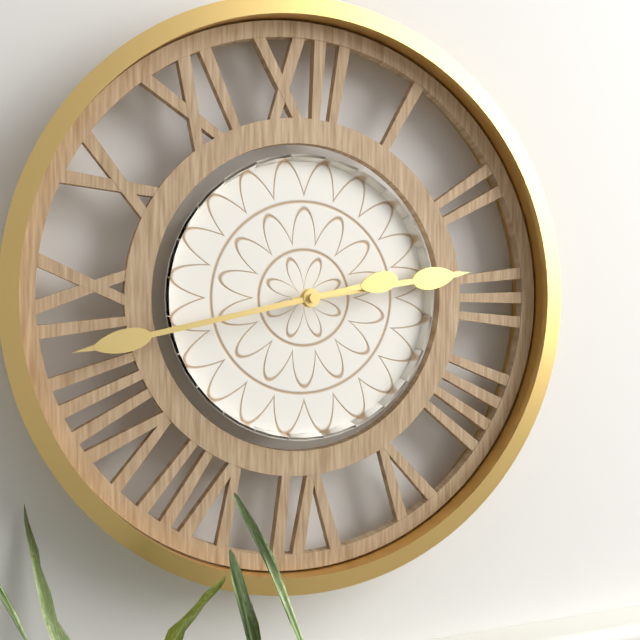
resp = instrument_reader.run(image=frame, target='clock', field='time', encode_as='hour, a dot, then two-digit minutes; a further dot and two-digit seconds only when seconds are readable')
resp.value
2.43
